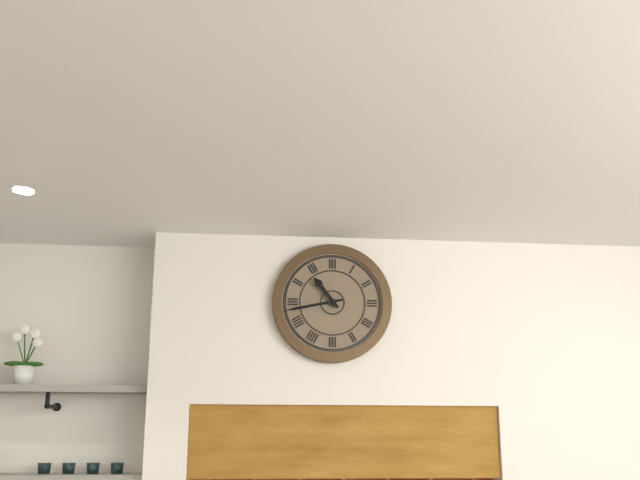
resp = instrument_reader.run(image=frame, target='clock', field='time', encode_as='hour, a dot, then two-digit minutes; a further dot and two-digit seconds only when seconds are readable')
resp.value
10.43
